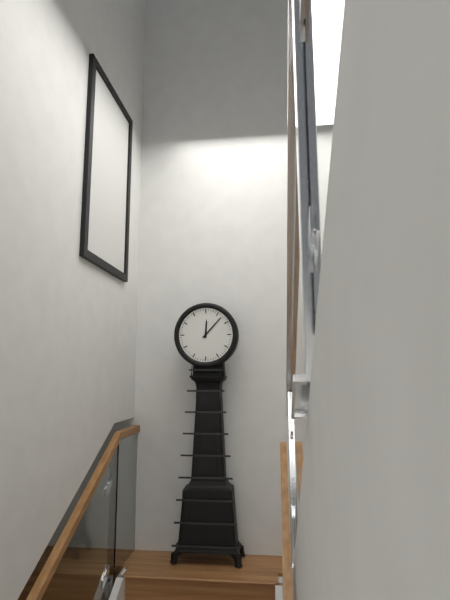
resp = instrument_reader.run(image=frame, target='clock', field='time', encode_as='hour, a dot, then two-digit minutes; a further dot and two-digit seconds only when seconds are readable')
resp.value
12.07
